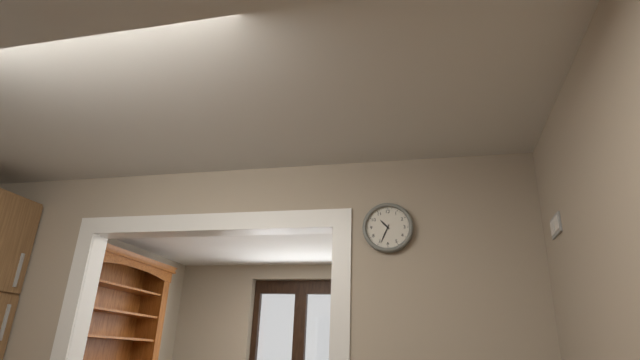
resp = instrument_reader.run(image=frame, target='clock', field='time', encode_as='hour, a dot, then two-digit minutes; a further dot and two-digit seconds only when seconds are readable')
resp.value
10.34
